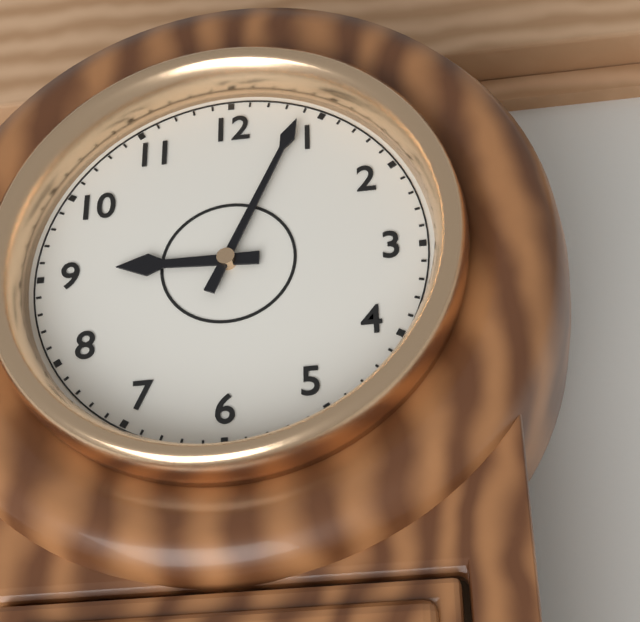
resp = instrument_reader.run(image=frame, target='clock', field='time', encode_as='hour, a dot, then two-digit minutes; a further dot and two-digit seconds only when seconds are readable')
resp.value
9.04
